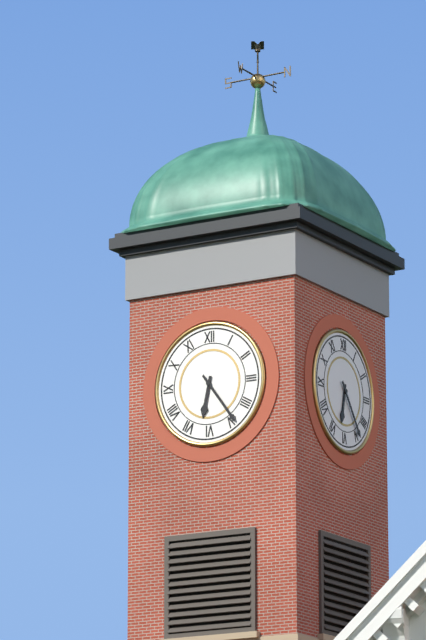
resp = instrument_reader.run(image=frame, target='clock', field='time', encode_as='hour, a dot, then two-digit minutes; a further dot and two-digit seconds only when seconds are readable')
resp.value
6.24
